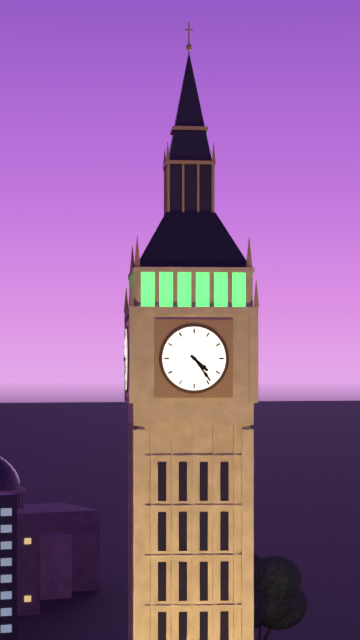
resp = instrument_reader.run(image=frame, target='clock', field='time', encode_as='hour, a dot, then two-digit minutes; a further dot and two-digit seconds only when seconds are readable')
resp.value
4.24
